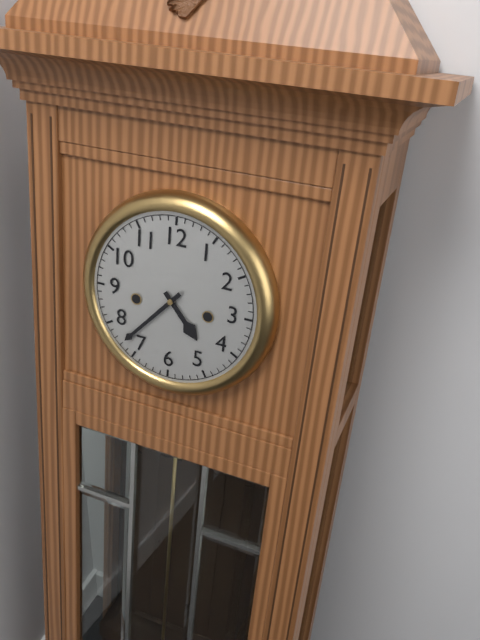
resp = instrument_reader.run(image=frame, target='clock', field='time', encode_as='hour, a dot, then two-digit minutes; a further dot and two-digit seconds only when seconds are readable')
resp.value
4.37
